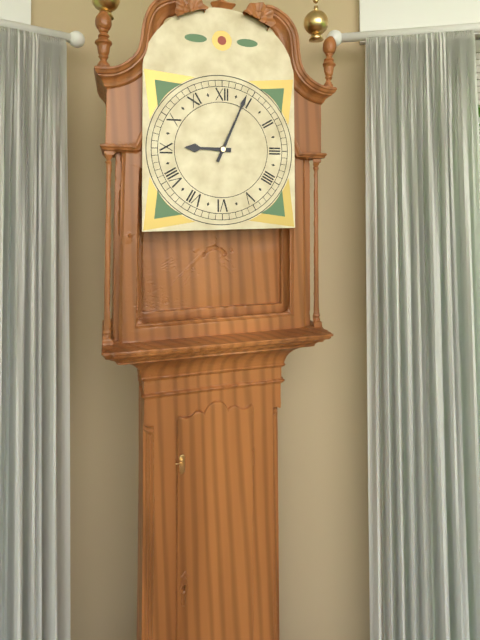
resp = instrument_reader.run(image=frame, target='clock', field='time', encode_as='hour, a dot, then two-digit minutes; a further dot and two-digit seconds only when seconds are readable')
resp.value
9.04
